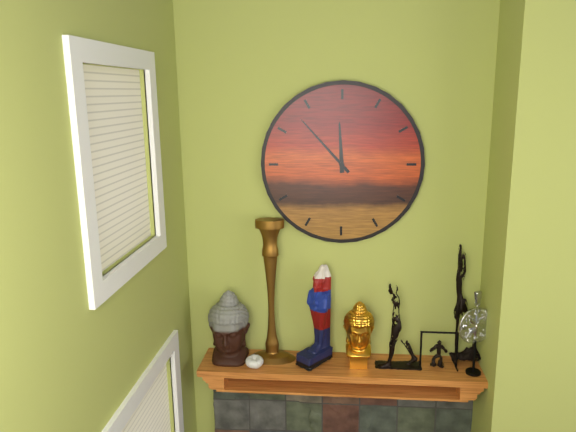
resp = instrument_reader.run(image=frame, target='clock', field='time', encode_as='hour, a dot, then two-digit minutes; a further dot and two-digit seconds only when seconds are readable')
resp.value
11.53
